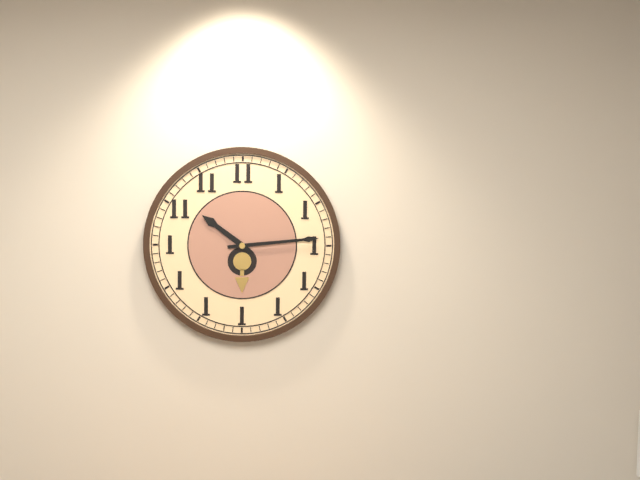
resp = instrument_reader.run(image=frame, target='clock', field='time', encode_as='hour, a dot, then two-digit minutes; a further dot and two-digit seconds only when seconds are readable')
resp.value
10.14
